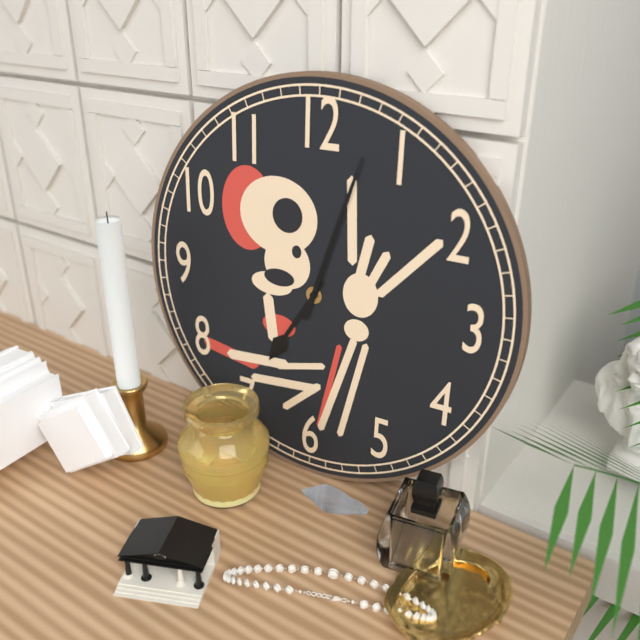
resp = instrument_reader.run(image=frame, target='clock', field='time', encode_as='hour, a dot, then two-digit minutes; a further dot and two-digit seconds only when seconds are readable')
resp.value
7.03
